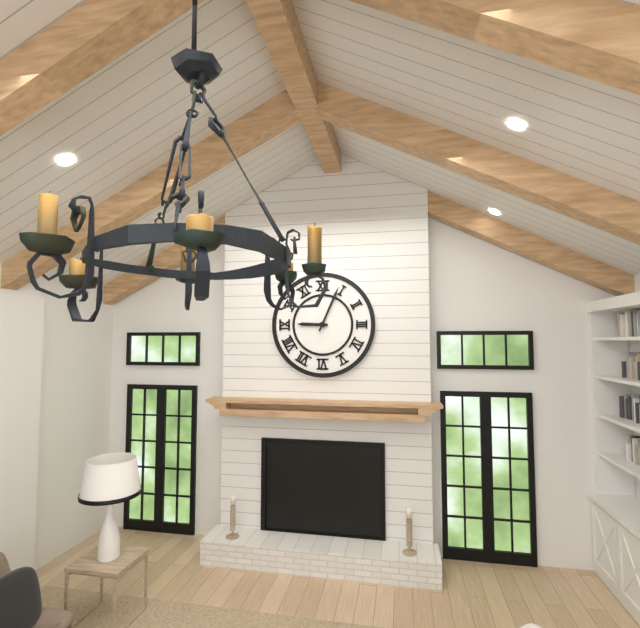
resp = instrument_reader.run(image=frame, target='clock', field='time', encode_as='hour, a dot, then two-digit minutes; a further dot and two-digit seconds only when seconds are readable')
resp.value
9.04
